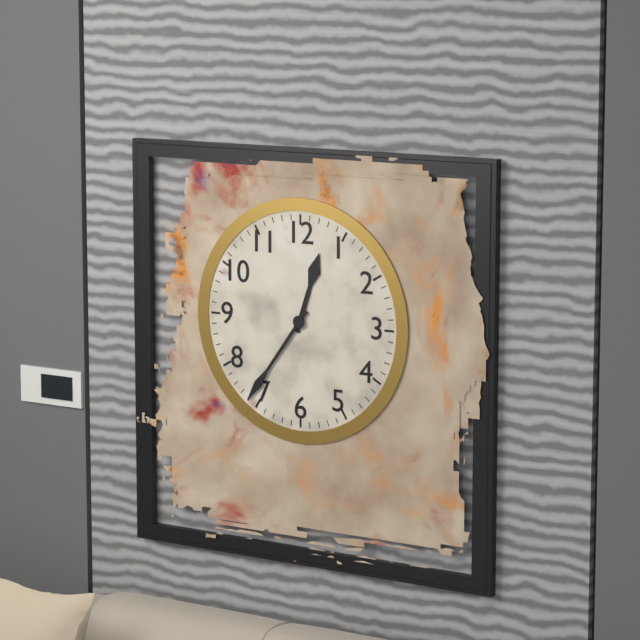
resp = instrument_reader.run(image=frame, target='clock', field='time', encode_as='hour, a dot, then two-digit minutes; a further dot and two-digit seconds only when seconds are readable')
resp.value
12.36
